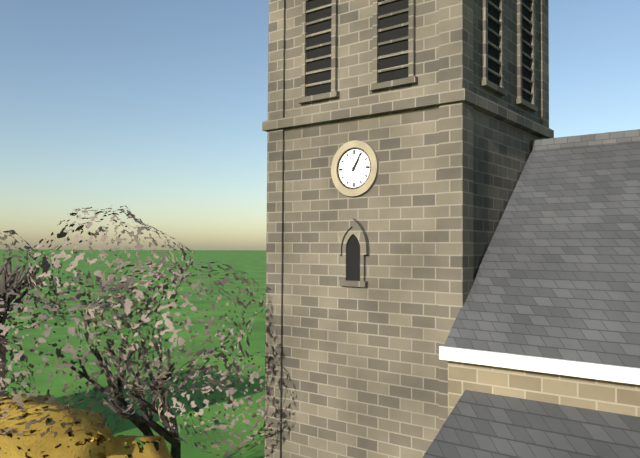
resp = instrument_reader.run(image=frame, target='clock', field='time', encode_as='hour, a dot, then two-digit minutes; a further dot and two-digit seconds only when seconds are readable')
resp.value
1.05
